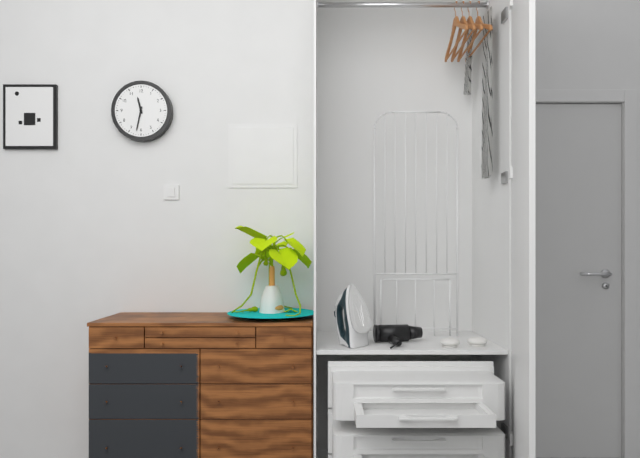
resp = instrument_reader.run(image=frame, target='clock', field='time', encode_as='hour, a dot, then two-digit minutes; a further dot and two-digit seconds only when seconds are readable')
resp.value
11.32
